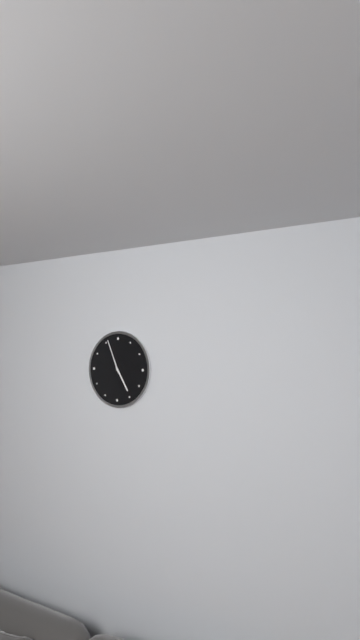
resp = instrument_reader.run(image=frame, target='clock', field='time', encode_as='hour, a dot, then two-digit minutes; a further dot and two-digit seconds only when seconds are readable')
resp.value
4.56
